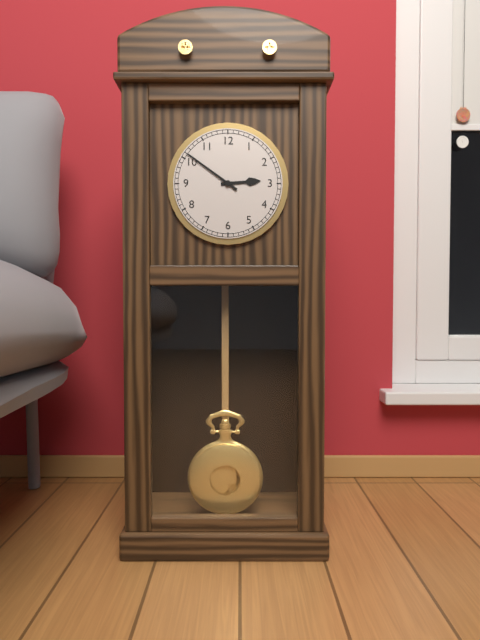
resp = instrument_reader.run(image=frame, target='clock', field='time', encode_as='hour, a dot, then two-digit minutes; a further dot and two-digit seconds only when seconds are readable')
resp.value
2.51
